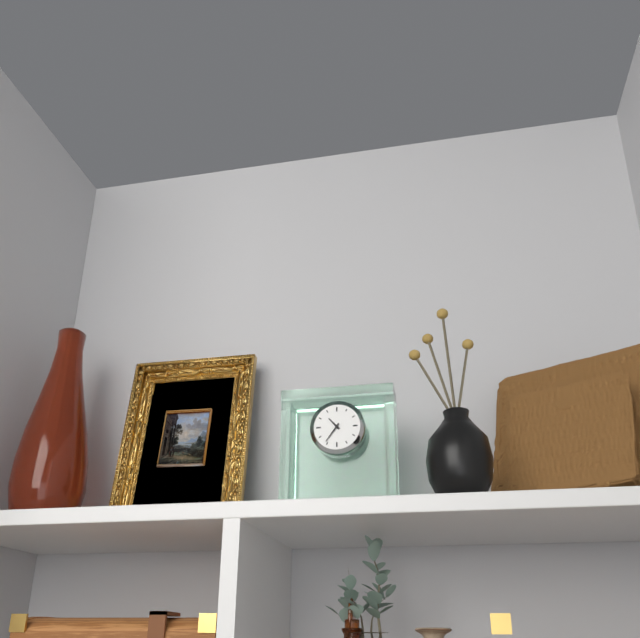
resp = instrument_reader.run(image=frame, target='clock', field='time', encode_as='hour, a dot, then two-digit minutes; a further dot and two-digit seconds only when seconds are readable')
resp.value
10.36
